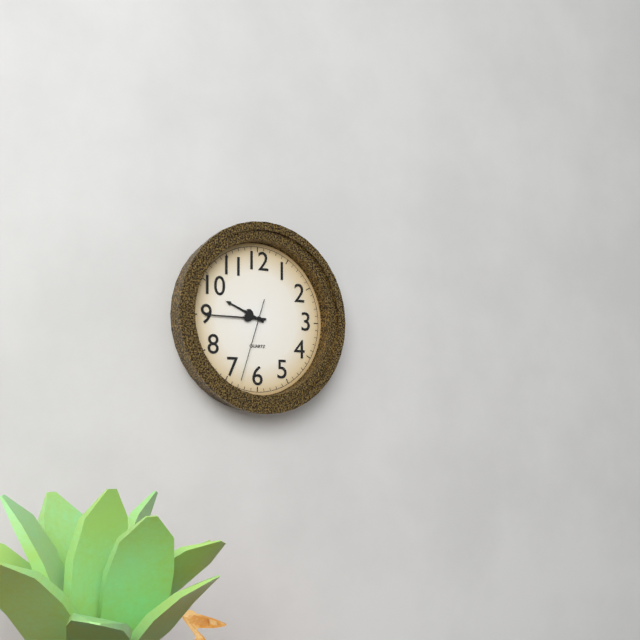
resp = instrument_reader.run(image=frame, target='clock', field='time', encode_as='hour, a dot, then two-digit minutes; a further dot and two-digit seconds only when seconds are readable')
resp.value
9.45.33
